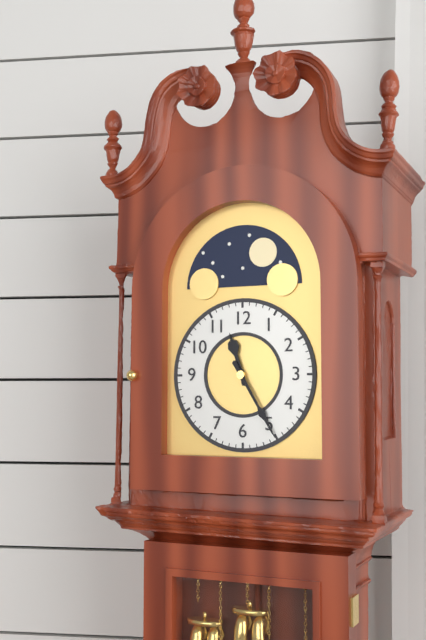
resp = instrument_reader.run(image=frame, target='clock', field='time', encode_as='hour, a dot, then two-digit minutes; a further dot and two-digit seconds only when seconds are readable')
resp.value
11.25
